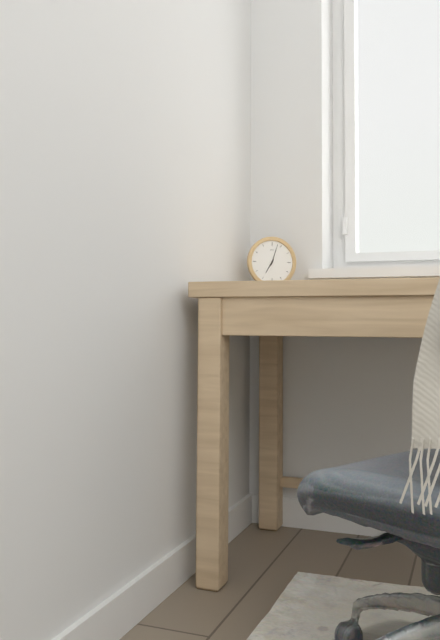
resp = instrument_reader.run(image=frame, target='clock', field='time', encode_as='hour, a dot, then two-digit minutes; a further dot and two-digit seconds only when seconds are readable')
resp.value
7.03
